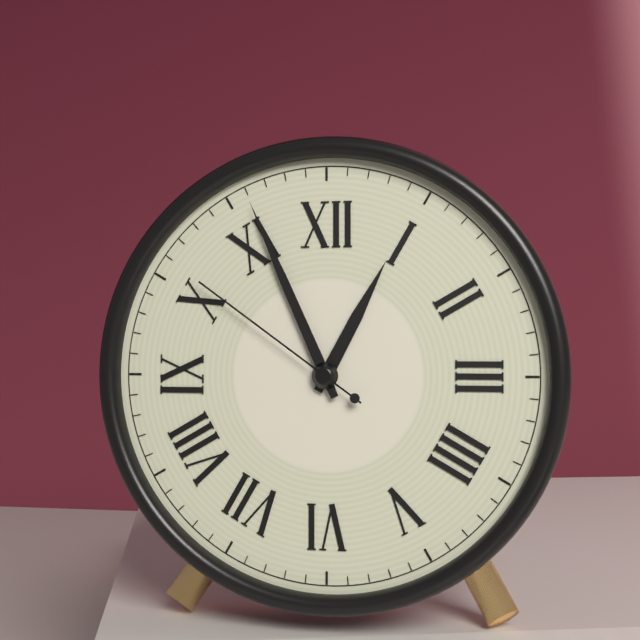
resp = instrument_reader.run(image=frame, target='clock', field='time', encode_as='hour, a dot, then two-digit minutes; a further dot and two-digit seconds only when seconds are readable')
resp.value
12.56.51
